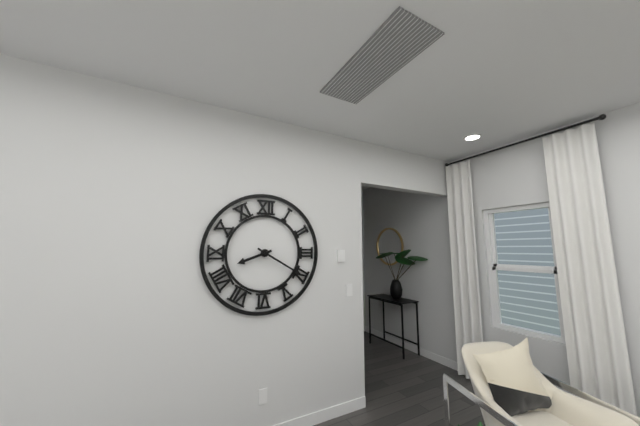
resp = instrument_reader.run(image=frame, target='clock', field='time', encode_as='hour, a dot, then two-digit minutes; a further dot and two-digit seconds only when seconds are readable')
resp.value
8.20
